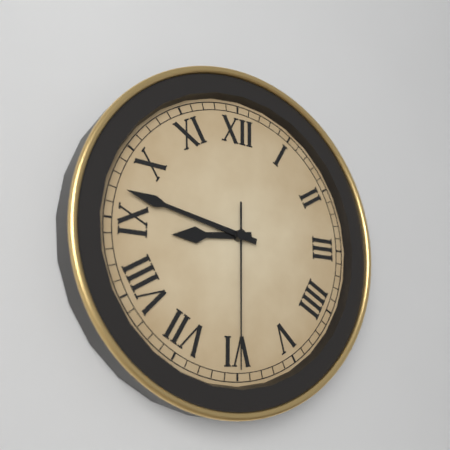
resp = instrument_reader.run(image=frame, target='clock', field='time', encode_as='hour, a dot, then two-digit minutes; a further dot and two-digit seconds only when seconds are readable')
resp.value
8.47.30
